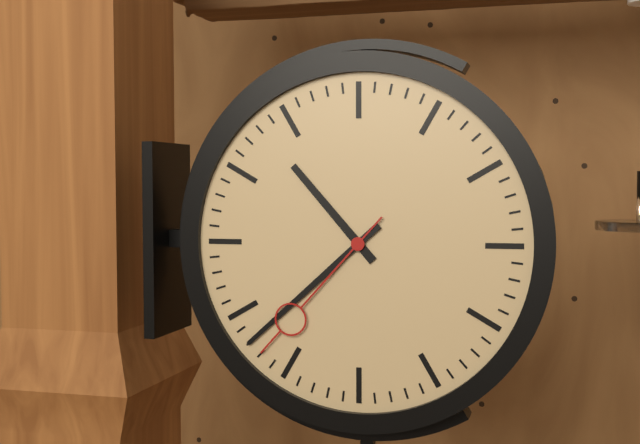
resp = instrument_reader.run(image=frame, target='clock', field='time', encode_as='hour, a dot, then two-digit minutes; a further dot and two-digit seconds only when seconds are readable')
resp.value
10.38.37
